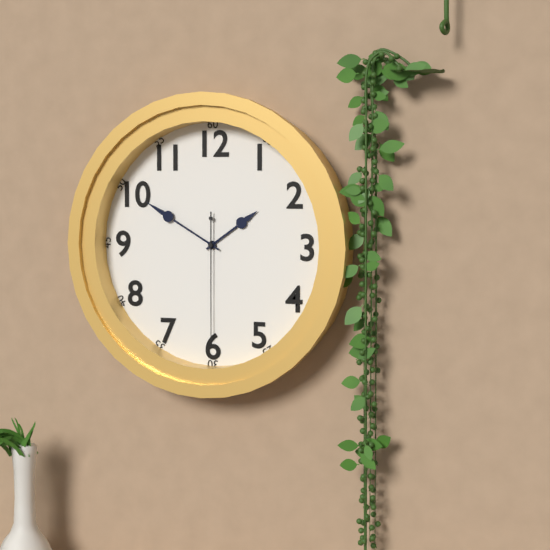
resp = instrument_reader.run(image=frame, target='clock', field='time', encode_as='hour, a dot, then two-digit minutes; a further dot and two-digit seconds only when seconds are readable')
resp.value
1.50.30
